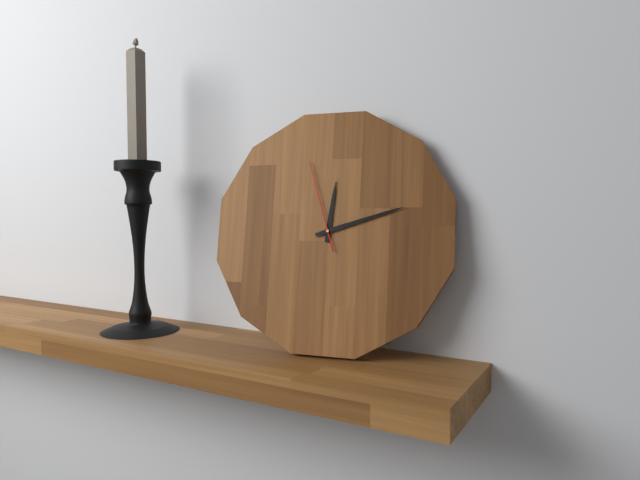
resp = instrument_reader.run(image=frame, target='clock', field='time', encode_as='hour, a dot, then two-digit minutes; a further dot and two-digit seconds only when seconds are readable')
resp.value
12.12.57
